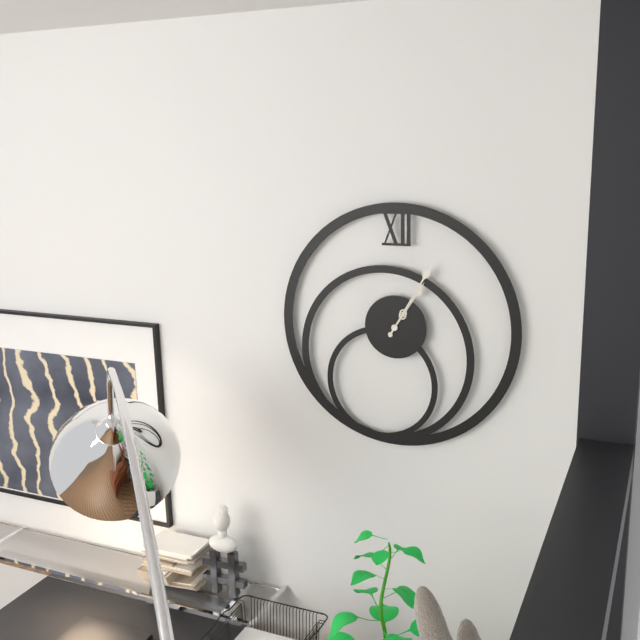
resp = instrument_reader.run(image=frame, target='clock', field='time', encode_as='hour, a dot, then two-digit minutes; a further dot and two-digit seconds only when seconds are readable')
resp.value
1.05
